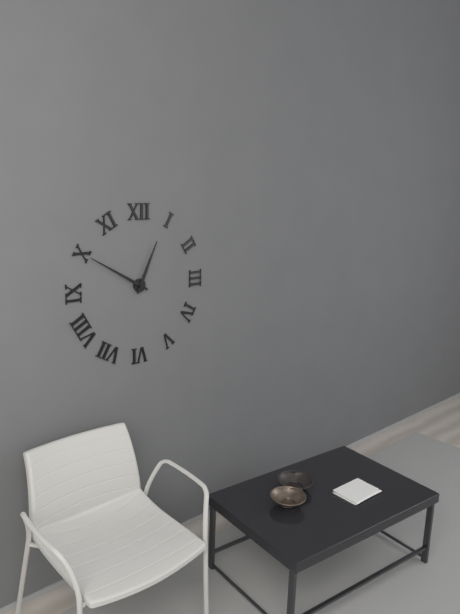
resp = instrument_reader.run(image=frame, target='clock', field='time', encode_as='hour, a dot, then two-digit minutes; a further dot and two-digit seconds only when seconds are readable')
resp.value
12.50
